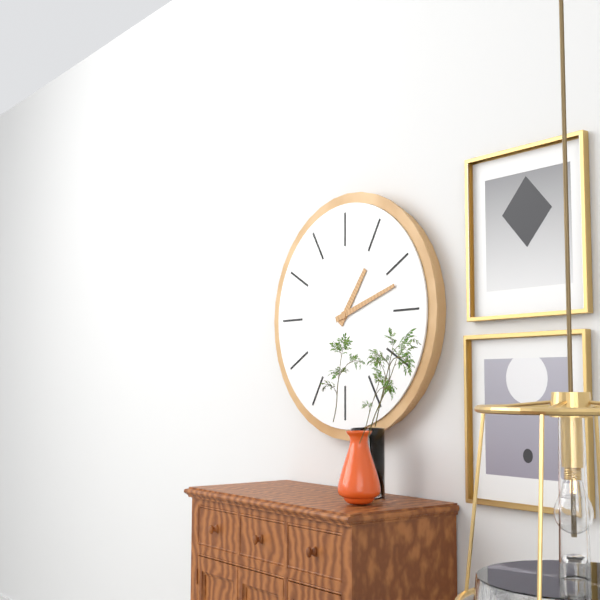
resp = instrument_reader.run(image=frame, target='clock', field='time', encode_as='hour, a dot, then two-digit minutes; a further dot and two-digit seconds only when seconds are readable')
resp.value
1.12
